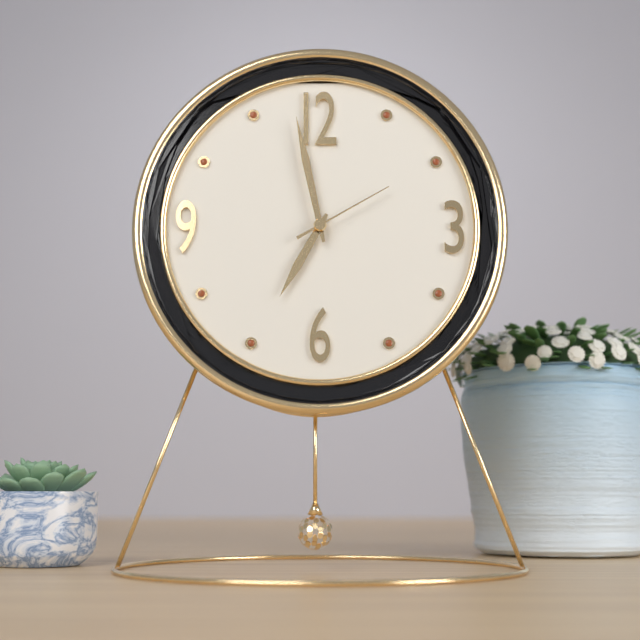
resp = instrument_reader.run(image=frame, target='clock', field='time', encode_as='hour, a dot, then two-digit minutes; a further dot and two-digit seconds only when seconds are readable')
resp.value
6.58.10
